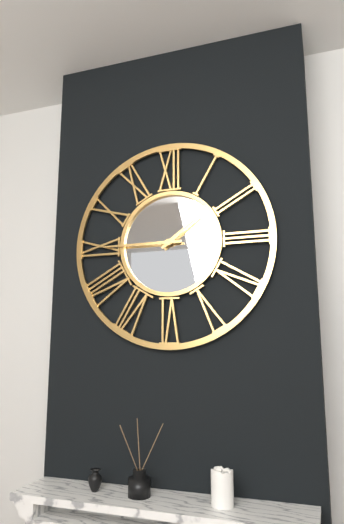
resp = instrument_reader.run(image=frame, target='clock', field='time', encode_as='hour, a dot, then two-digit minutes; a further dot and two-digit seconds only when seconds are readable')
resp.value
1.45
